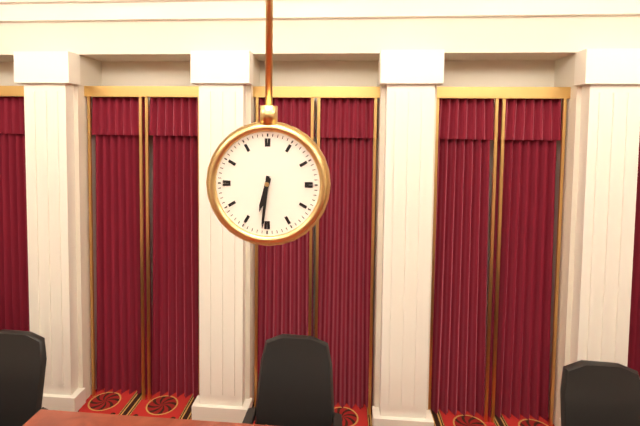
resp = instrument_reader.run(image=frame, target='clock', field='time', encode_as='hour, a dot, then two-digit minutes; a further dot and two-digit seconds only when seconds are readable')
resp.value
6.31
